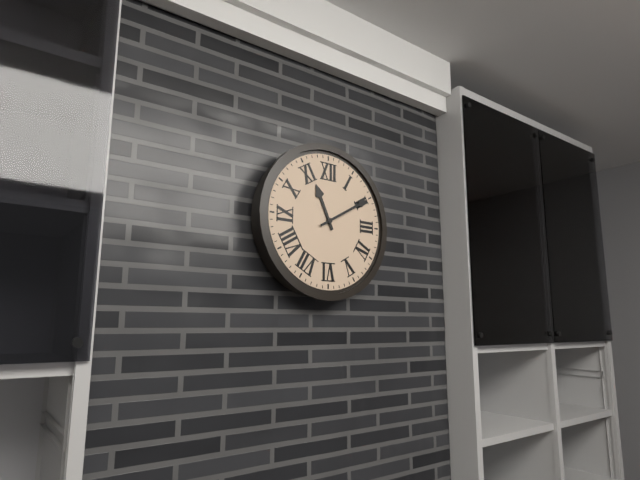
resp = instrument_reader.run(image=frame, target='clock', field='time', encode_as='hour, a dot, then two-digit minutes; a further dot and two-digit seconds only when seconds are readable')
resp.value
11.10
